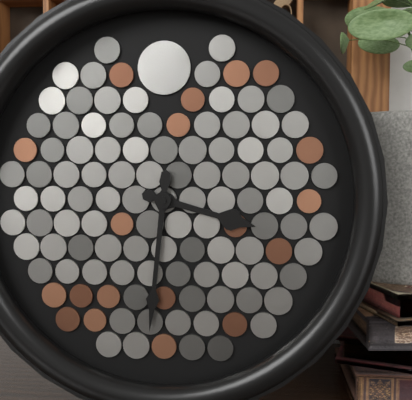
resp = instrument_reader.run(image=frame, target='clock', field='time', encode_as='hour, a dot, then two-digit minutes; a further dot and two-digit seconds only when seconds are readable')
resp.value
3.31
